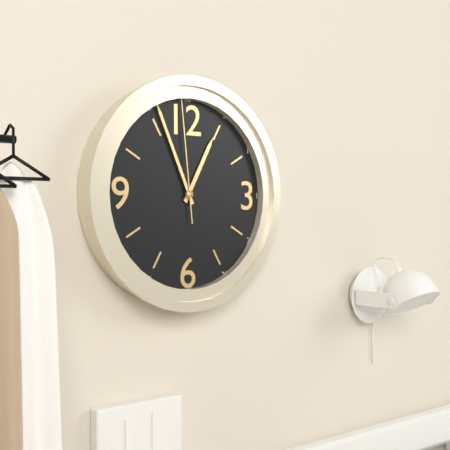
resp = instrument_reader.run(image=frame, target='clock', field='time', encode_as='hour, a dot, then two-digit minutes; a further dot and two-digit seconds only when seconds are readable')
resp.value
12.56.59
